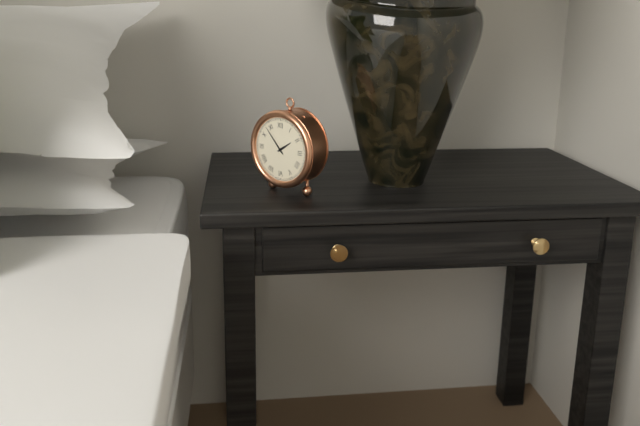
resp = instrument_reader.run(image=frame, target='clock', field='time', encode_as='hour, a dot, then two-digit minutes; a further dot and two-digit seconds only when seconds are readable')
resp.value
1.53
